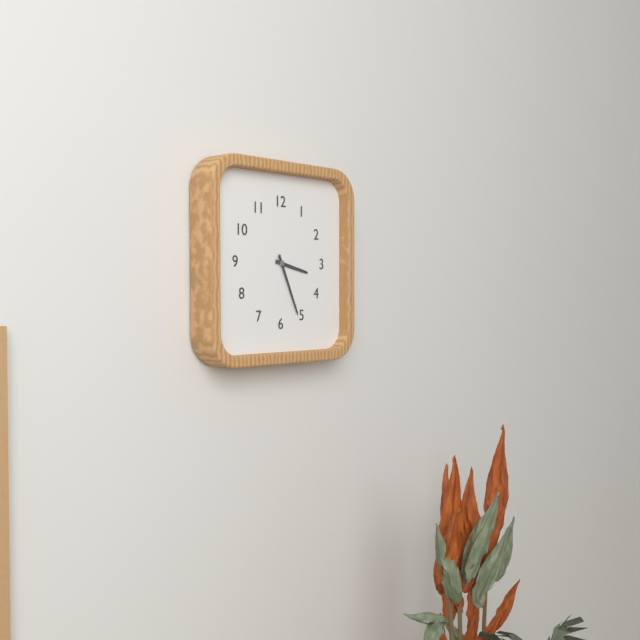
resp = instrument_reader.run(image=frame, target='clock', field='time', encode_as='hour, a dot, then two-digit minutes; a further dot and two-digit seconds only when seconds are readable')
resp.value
3.26
